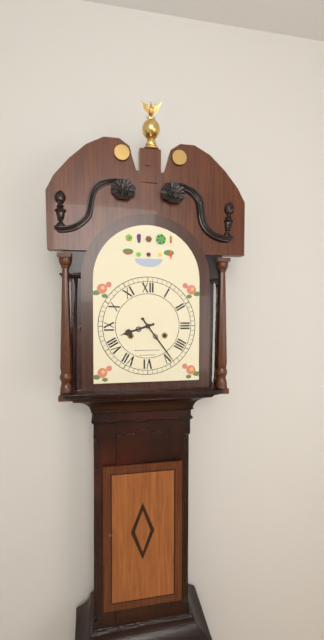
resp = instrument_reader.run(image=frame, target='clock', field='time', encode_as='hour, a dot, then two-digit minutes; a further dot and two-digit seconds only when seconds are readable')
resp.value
8.24
